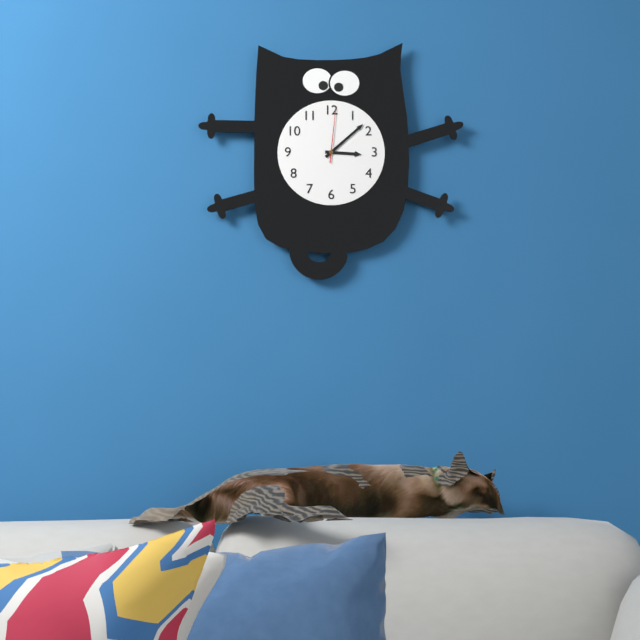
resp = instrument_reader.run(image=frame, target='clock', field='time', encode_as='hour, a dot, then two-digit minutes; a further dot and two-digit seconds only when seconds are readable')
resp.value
3.08.01
